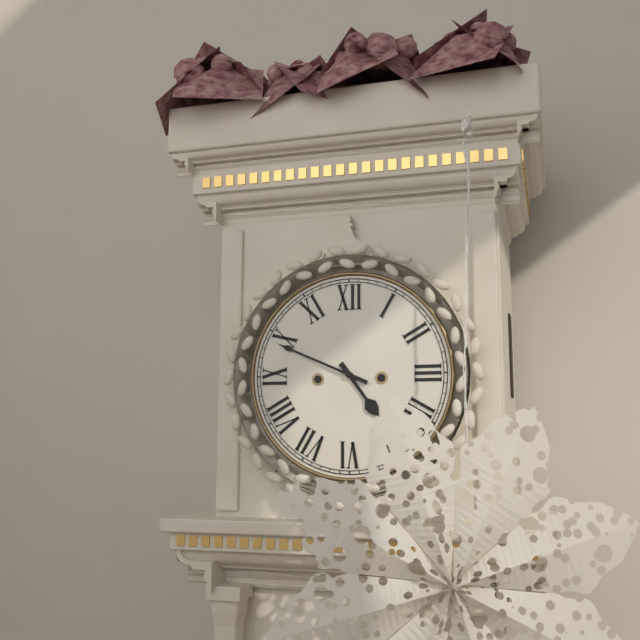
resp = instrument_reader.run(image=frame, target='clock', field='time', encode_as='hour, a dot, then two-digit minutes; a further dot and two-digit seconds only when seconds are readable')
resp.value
4.49
